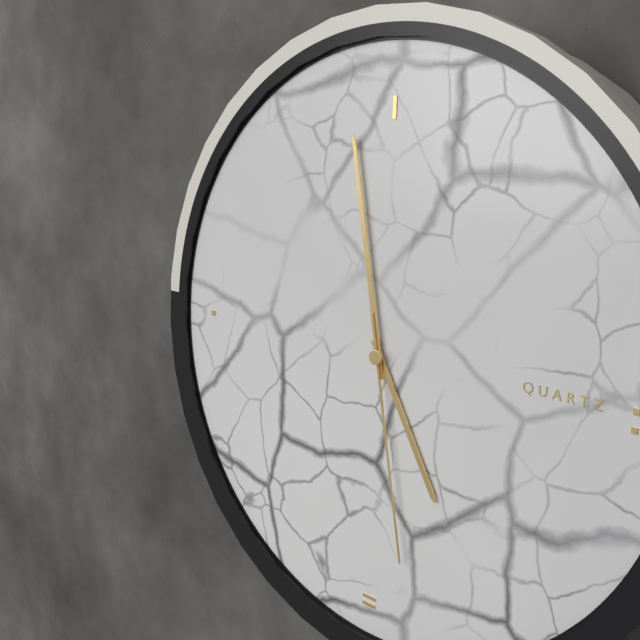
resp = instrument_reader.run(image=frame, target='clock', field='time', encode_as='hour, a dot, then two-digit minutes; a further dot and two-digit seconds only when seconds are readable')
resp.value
4.58.28
